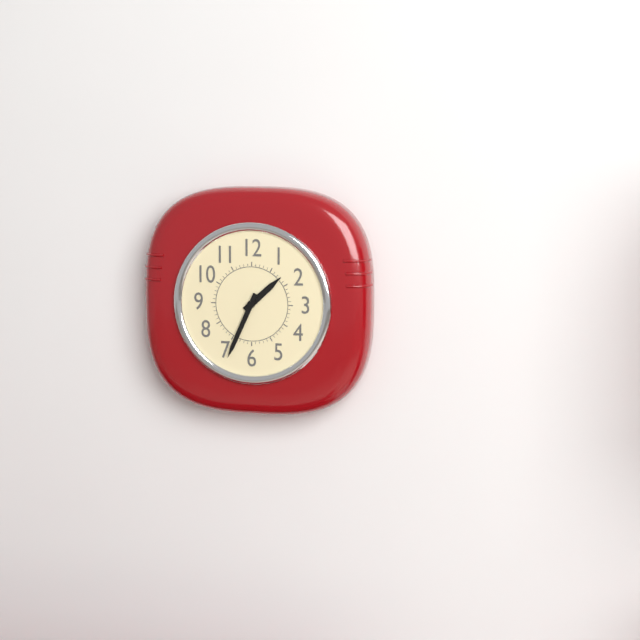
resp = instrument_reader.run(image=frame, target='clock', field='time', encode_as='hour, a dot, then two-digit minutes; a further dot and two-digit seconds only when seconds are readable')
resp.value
1.34
